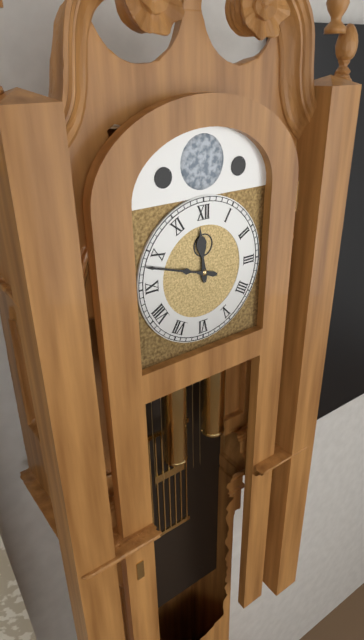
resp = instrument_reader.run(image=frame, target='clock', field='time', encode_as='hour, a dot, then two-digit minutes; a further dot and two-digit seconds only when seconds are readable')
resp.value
11.48
